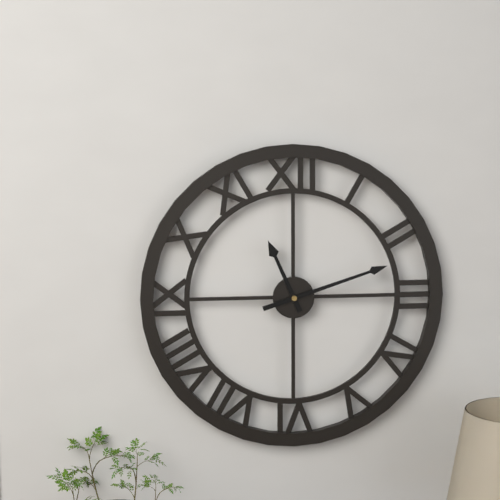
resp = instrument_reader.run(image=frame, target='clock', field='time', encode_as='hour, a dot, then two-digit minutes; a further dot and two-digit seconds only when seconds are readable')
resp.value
11.12
